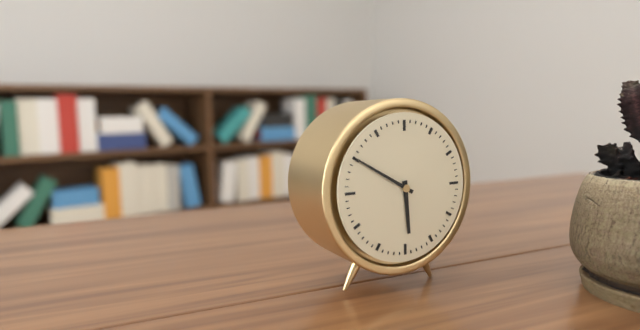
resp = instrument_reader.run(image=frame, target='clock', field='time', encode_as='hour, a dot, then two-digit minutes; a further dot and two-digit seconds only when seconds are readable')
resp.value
5.50
